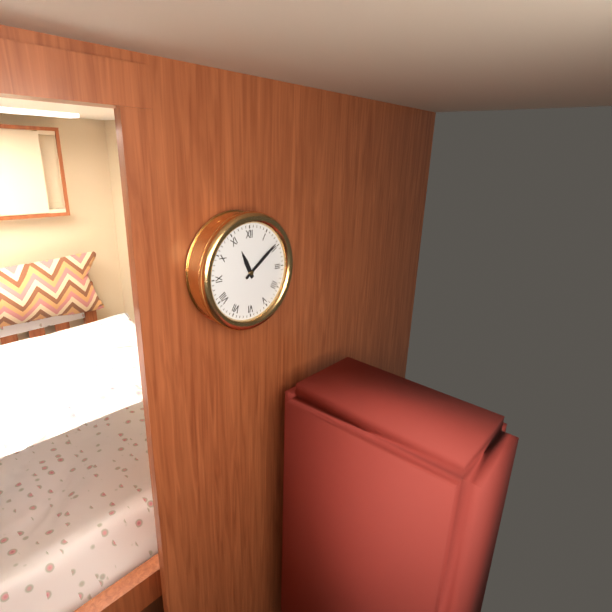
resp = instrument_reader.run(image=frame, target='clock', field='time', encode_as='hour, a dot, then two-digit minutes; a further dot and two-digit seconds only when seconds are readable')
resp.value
11.09
